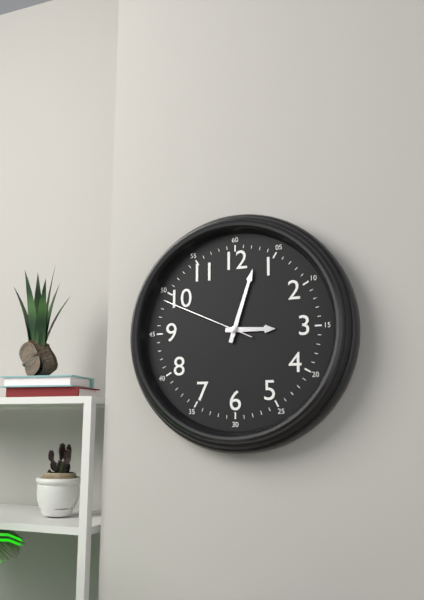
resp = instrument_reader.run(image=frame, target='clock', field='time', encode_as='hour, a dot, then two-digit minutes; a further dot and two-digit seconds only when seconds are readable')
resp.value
3.03.49
